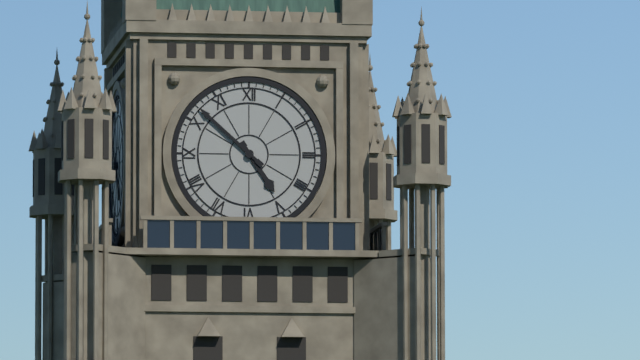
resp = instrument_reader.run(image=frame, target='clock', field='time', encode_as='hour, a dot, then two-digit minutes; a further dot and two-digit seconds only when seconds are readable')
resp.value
4.52
